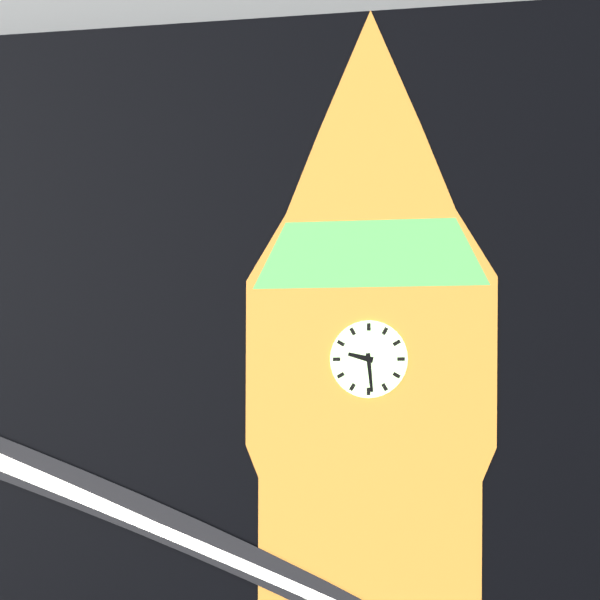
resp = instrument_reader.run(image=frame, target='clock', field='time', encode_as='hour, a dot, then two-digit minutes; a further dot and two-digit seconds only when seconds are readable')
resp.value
9.29
